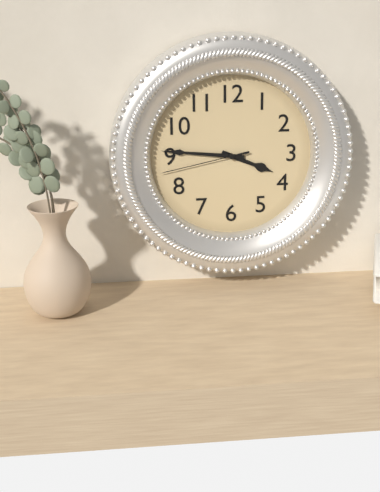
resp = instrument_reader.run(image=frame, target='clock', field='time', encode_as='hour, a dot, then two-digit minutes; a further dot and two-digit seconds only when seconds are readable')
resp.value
3.46.43
